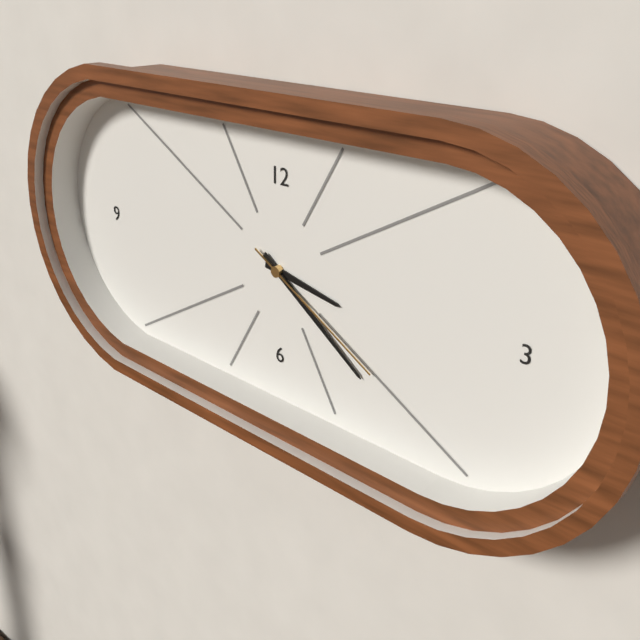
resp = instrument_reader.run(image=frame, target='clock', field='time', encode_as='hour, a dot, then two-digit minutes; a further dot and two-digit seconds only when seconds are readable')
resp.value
3.21.20
